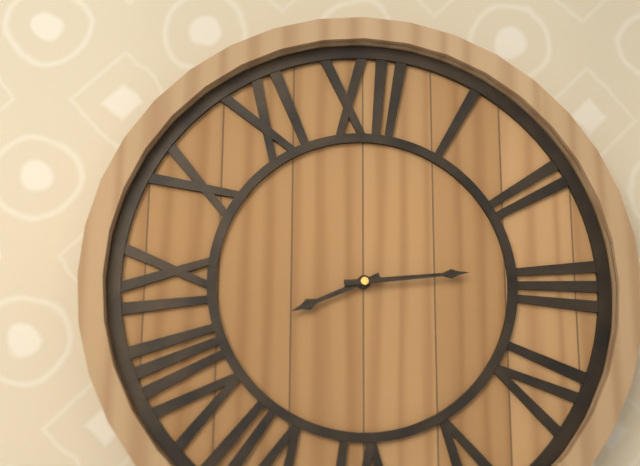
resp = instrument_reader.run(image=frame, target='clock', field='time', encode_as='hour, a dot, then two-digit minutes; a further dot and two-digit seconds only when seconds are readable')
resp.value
8.14
